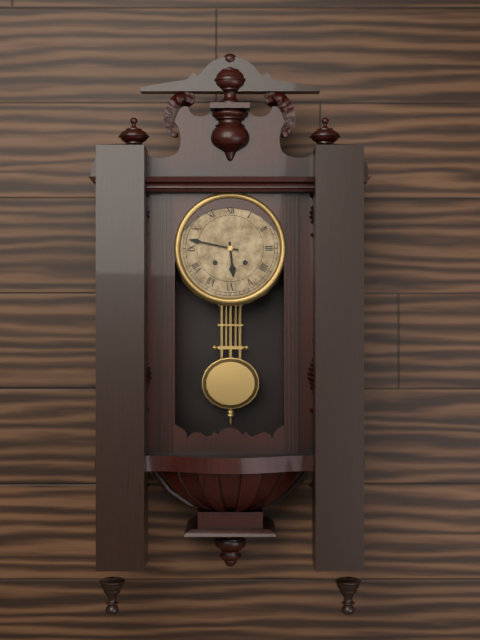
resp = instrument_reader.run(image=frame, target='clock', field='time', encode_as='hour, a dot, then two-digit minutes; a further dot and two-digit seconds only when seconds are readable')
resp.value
5.47
